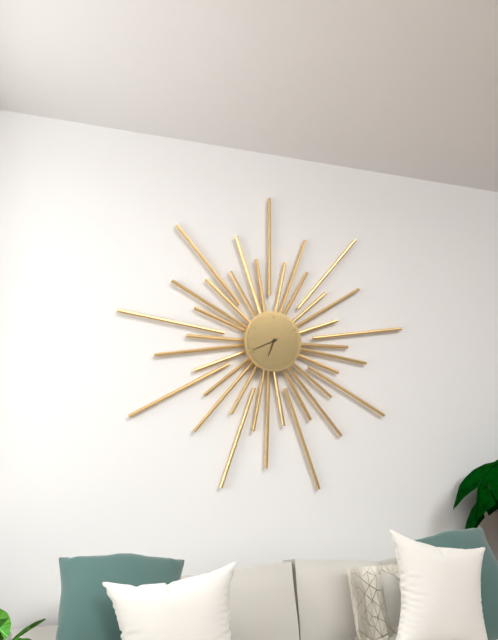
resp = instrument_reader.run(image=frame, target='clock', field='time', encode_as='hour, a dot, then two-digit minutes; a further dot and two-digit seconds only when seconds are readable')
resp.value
6.41
